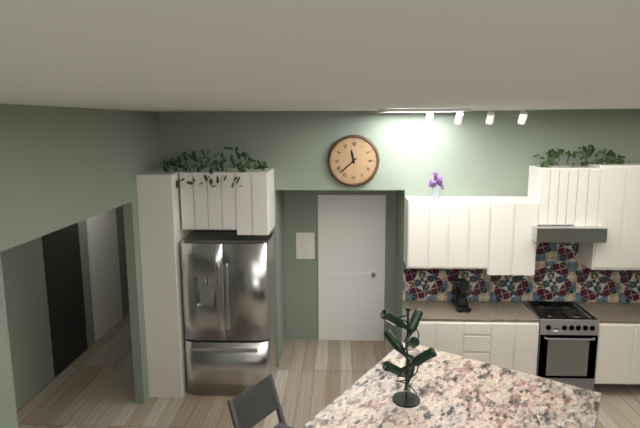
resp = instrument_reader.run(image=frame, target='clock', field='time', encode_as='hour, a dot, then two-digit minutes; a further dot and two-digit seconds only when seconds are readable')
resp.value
11.38
